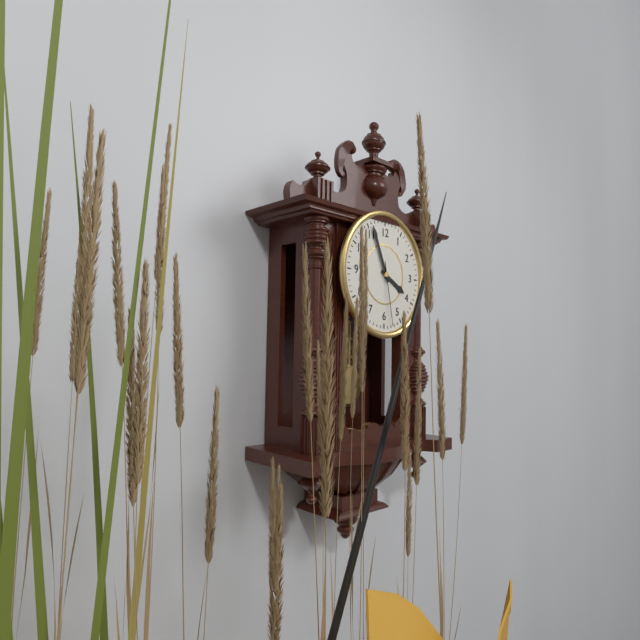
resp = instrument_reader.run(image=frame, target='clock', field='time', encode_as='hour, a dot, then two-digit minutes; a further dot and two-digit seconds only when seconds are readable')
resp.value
3.56.28
